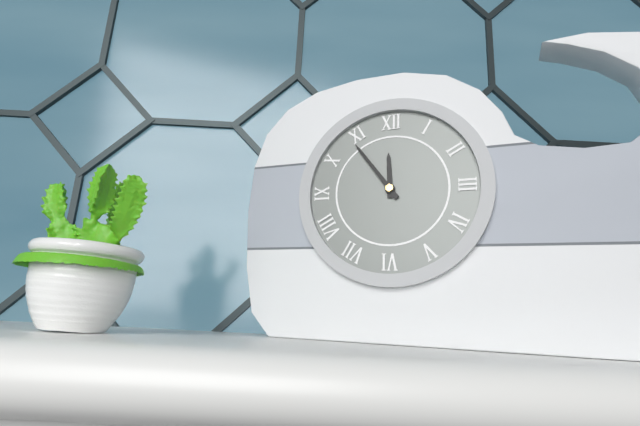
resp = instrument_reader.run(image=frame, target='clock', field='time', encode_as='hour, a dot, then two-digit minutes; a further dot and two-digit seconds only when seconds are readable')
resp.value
11.54
